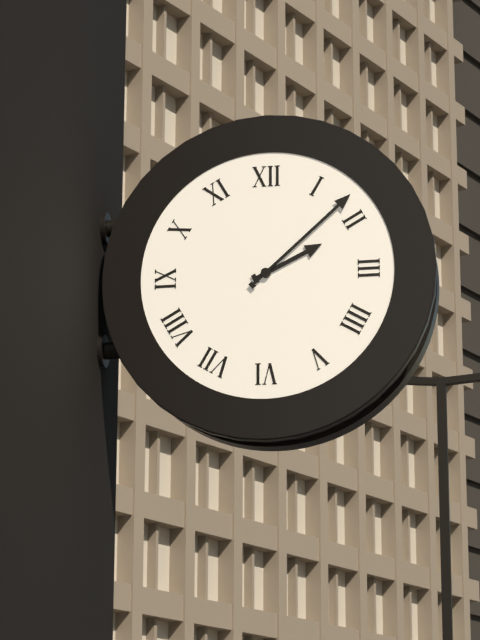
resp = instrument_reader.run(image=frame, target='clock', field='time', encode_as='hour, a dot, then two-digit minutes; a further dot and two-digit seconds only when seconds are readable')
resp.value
2.08
